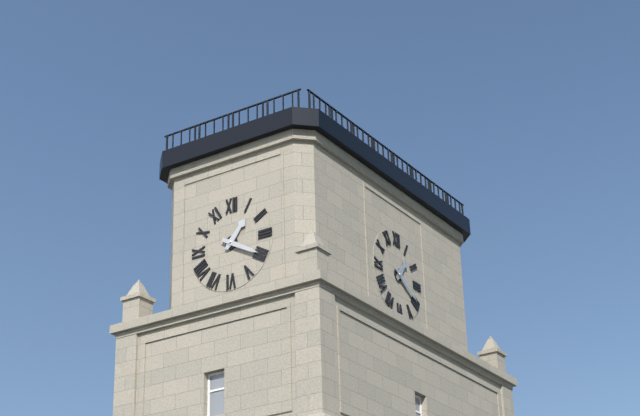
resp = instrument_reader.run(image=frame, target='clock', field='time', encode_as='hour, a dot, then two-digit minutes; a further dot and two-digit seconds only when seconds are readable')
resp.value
1.20
